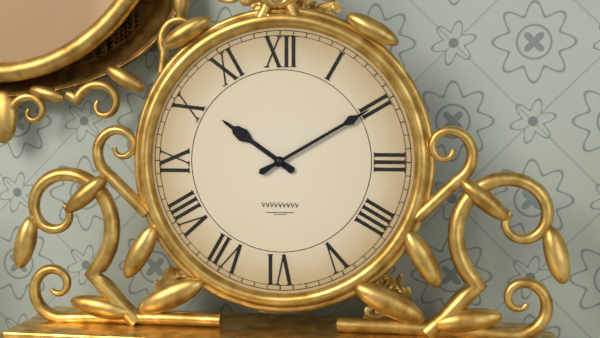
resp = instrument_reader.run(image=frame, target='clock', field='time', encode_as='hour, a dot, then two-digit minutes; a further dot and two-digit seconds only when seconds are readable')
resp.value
10.10
